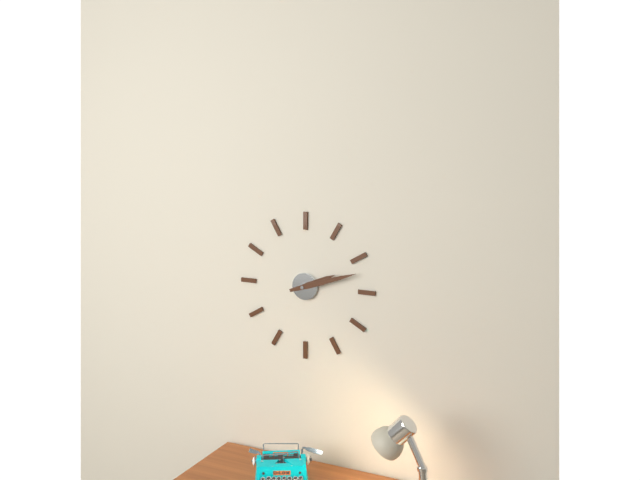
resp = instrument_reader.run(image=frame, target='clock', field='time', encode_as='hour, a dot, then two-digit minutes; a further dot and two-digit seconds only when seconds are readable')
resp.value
2.12
